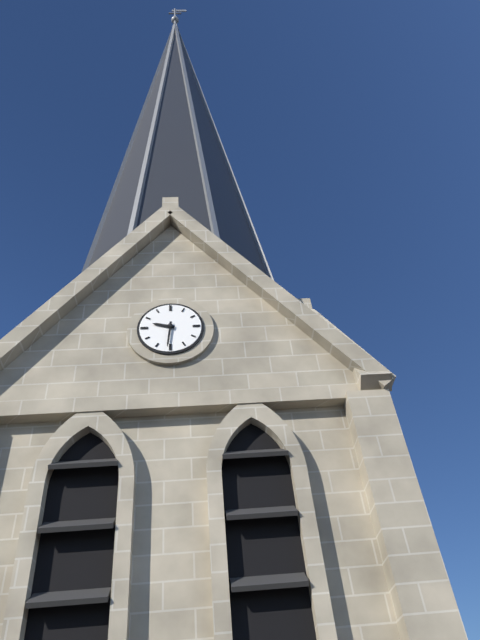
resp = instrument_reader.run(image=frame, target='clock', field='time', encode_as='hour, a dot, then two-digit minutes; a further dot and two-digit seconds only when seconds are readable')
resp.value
9.31
